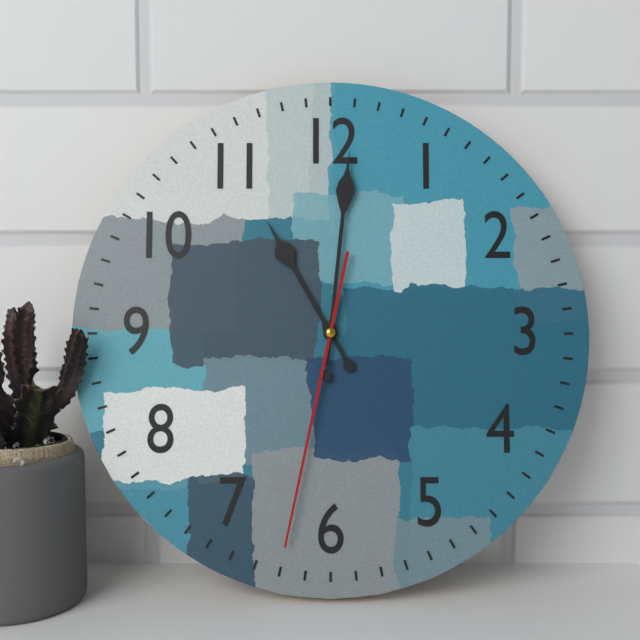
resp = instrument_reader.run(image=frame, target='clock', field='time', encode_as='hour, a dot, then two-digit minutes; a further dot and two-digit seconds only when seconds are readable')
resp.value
11.01.32
